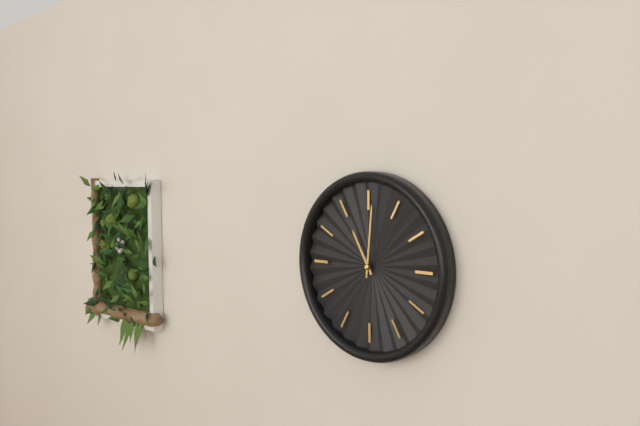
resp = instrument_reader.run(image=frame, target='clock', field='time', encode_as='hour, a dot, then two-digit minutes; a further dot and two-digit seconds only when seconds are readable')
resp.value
11.01
